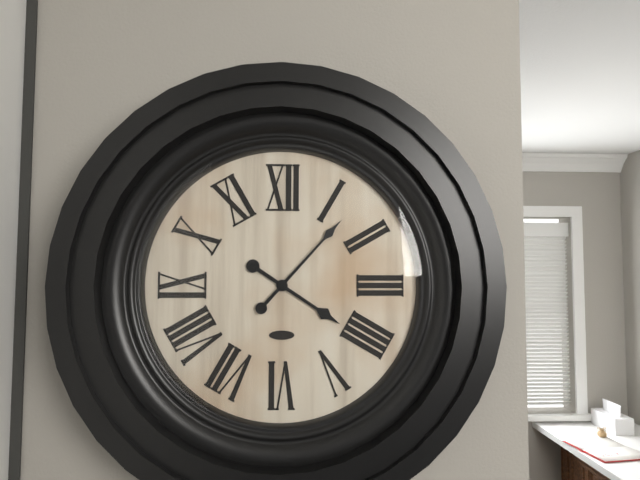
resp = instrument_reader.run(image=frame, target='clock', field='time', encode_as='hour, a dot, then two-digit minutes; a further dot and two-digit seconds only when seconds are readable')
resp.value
4.07
